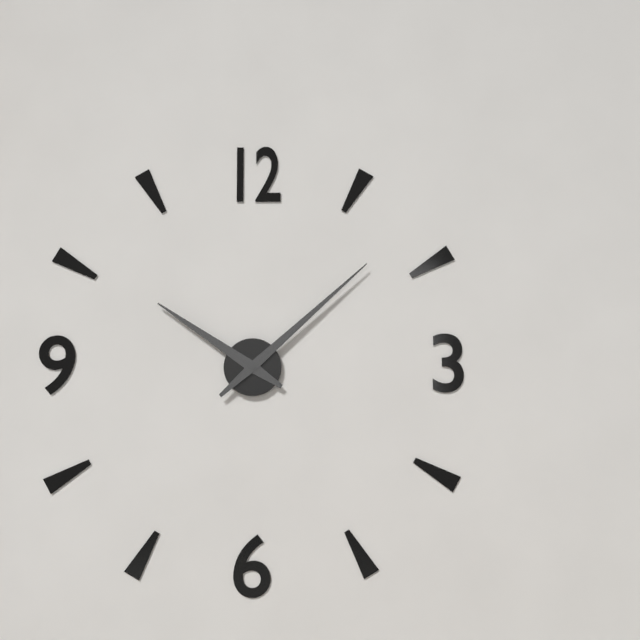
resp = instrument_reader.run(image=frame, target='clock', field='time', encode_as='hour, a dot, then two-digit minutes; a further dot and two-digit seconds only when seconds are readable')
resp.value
10.08
